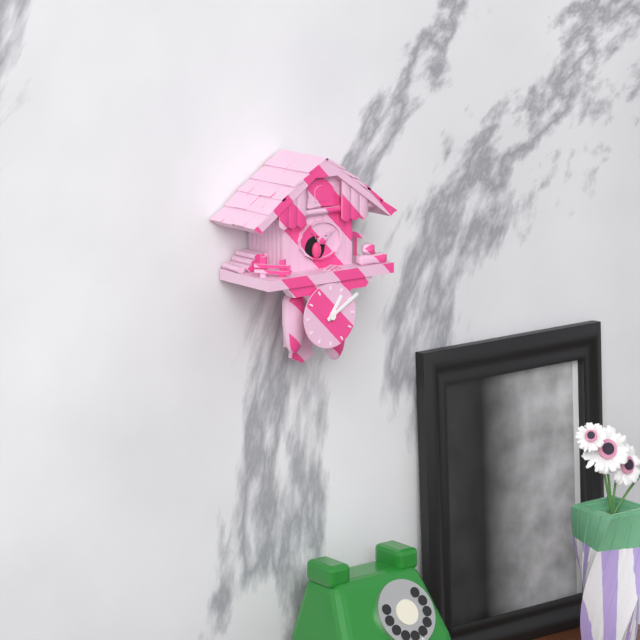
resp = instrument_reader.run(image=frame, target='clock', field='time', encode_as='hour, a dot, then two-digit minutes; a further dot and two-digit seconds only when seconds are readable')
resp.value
1.10
